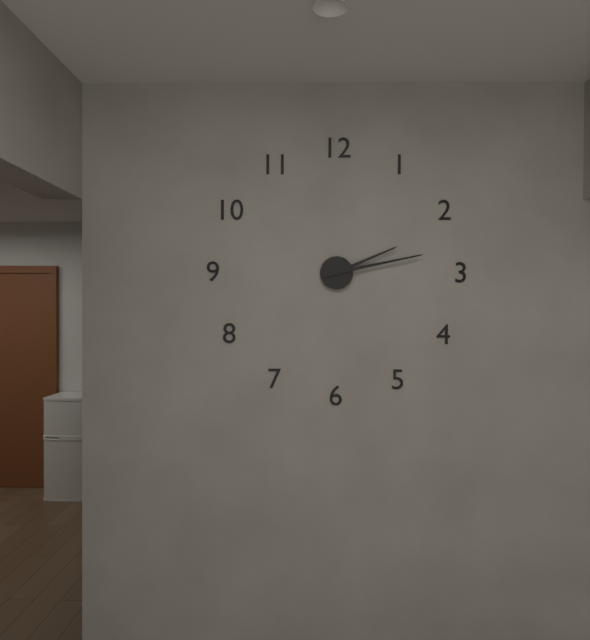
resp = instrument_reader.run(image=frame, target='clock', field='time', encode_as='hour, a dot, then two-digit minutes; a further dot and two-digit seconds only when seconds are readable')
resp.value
2.13
